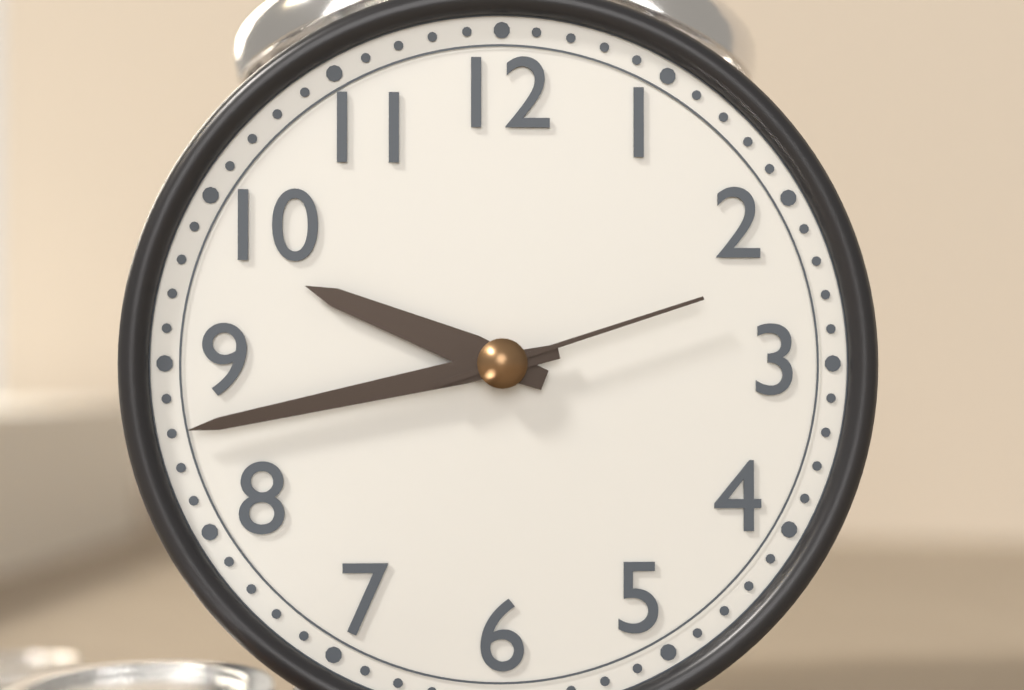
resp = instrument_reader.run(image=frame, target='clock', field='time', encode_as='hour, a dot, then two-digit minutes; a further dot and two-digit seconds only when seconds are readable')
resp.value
9.43.12
